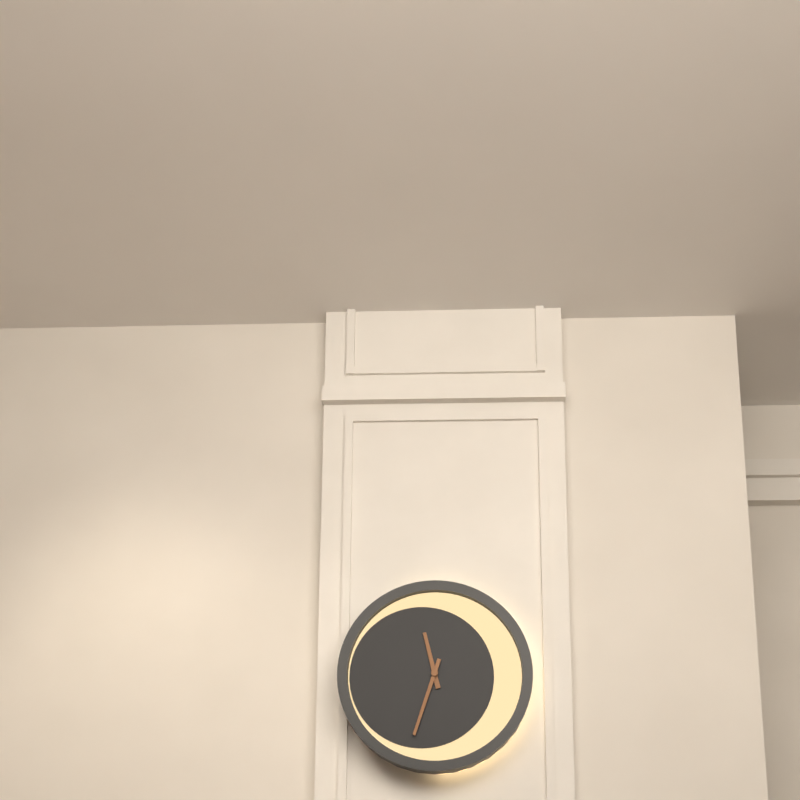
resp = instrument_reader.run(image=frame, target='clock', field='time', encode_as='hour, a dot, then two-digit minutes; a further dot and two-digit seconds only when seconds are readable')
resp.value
11.33
